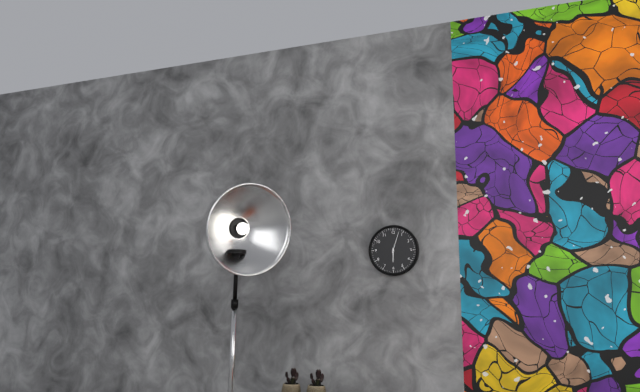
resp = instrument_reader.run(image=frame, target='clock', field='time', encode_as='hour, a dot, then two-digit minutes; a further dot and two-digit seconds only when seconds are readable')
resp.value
6.03
